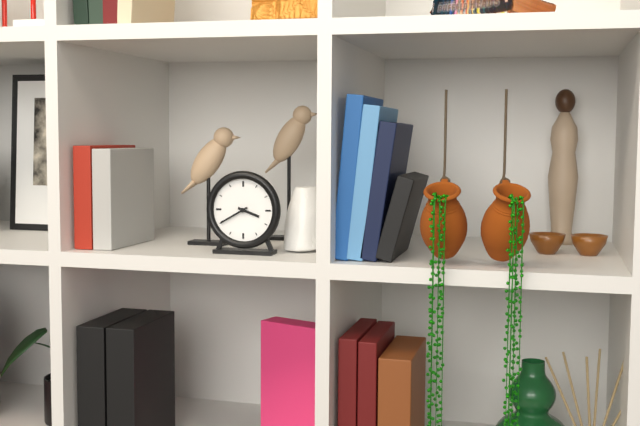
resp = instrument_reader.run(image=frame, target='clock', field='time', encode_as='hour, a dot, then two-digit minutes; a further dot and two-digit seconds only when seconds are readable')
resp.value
3.40
